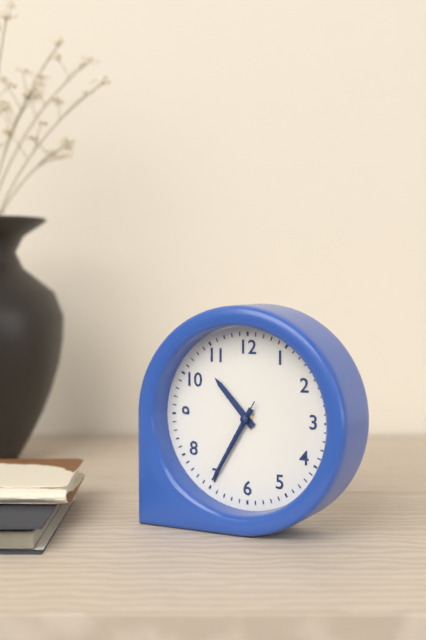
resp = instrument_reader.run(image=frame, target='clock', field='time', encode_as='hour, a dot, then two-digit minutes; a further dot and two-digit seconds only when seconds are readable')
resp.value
10.35.35
